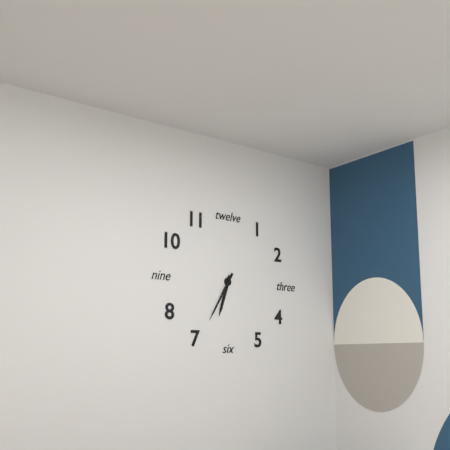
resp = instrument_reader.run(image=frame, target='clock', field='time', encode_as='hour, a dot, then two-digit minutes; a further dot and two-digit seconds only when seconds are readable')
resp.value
6.35
